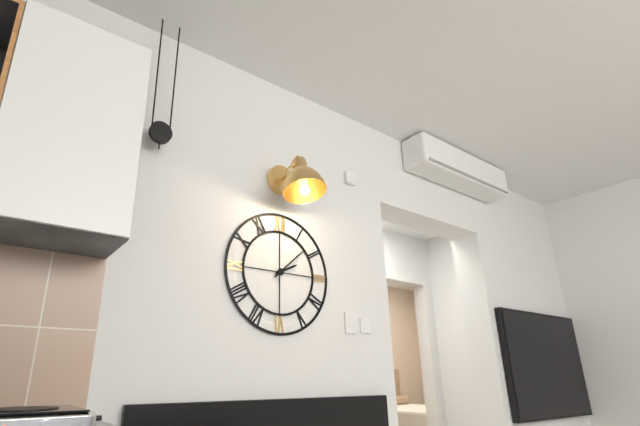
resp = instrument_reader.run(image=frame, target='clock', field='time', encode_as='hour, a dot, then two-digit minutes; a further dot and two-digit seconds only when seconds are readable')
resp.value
2.08
